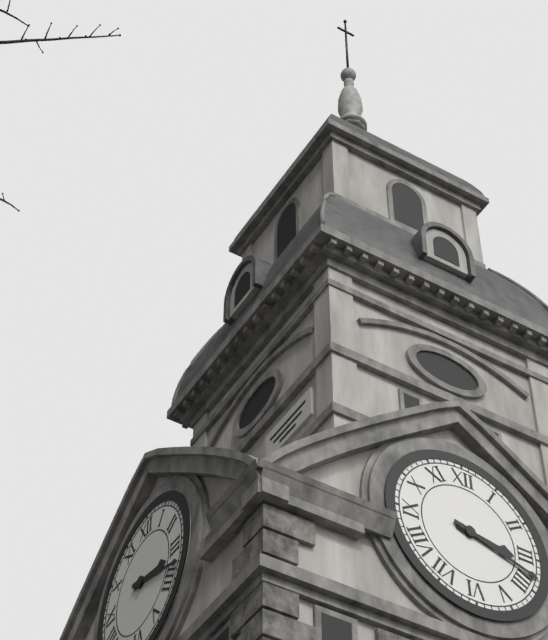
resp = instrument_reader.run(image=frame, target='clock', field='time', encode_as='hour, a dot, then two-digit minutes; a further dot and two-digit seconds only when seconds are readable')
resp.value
3.18
